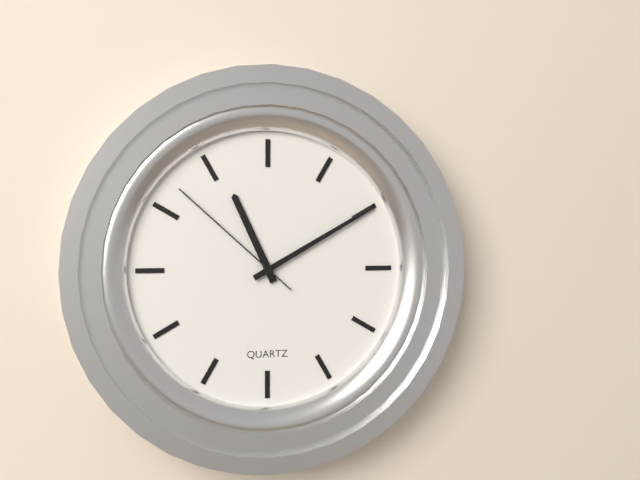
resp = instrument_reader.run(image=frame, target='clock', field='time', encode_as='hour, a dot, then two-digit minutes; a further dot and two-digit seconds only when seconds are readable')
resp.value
11.10.52
